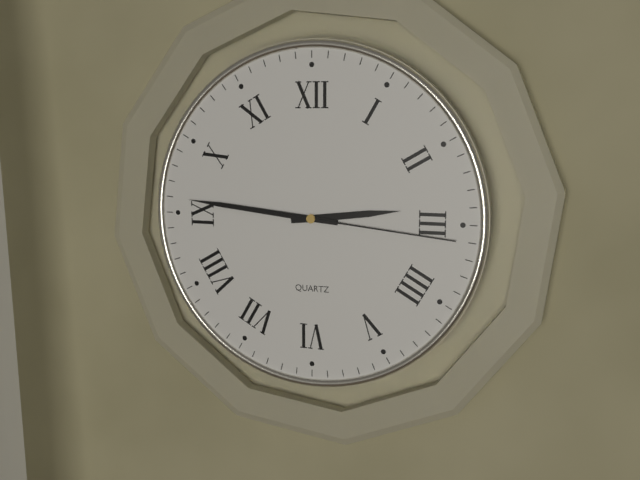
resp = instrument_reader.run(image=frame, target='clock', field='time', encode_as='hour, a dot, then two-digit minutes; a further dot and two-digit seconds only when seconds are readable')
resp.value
2.46.16
